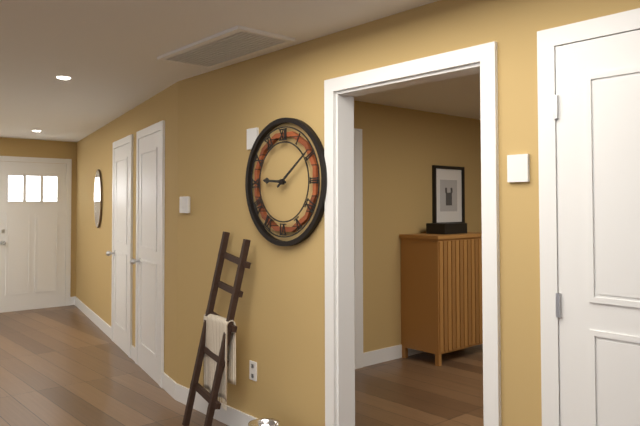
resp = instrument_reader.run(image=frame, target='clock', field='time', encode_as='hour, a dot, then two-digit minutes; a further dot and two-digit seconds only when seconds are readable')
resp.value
9.09
